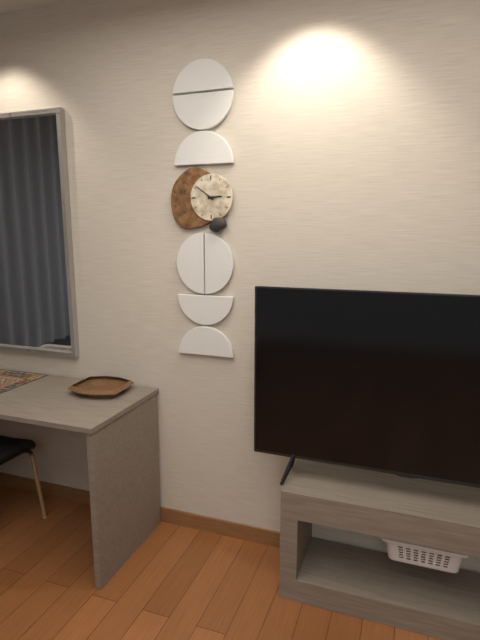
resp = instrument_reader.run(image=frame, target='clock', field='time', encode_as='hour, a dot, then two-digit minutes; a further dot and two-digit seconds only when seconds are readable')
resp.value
2.51
